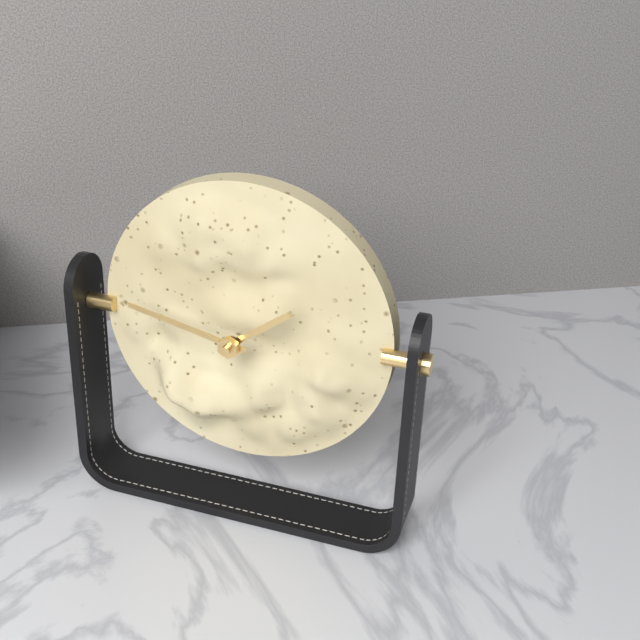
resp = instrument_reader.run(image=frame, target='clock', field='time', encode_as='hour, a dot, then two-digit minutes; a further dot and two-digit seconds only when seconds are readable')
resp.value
1.47
